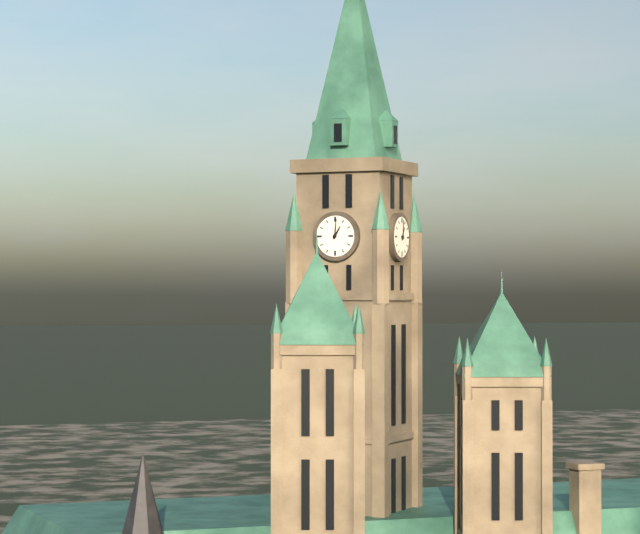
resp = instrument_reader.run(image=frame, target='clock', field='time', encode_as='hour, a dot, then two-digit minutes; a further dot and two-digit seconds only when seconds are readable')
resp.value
1.01
